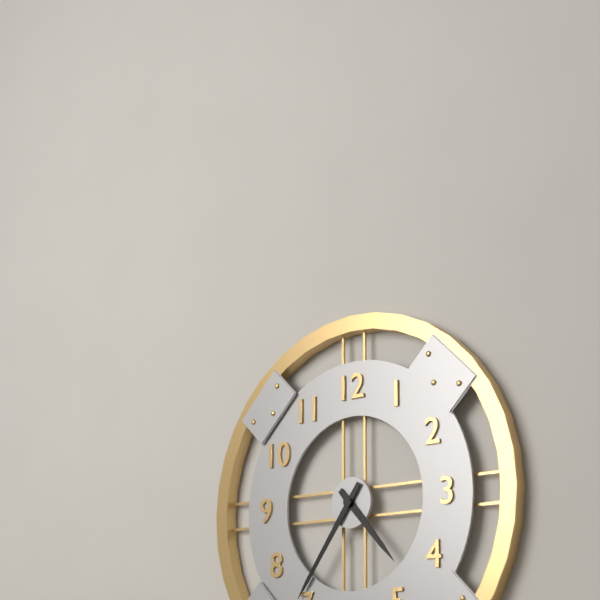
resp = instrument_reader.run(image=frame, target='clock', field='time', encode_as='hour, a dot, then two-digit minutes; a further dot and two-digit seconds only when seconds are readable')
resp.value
4.36
